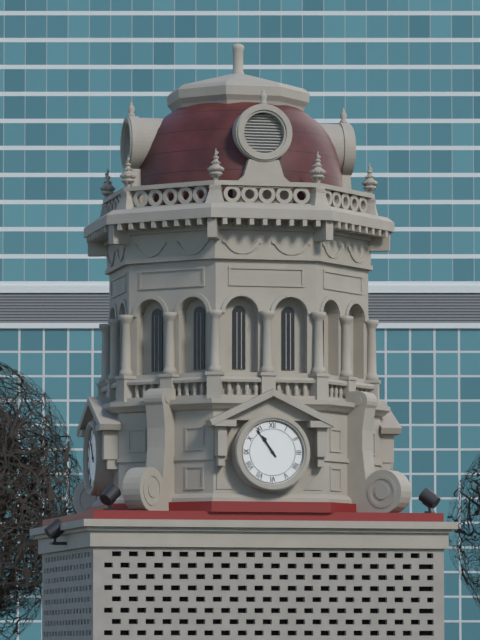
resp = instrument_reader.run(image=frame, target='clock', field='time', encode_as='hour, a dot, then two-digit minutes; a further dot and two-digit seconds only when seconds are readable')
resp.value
10.54
